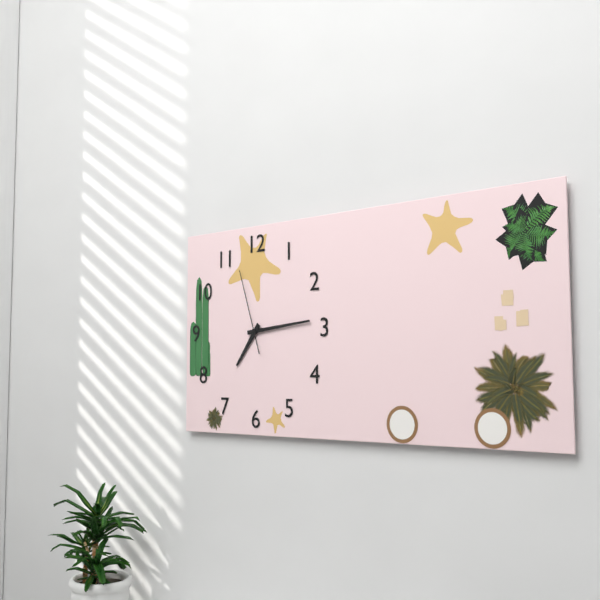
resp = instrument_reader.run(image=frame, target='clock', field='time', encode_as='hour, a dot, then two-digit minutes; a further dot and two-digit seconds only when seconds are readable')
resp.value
7.14.57
